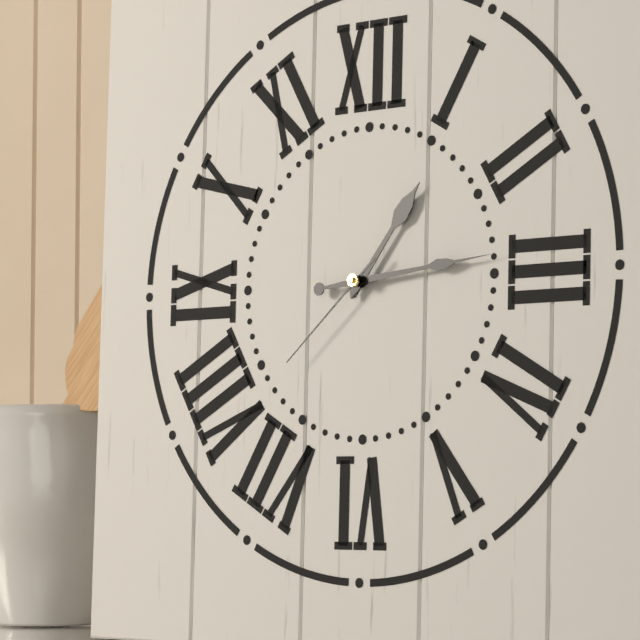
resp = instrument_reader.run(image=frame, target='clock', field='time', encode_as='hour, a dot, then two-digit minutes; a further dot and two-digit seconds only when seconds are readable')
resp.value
1.14.38
